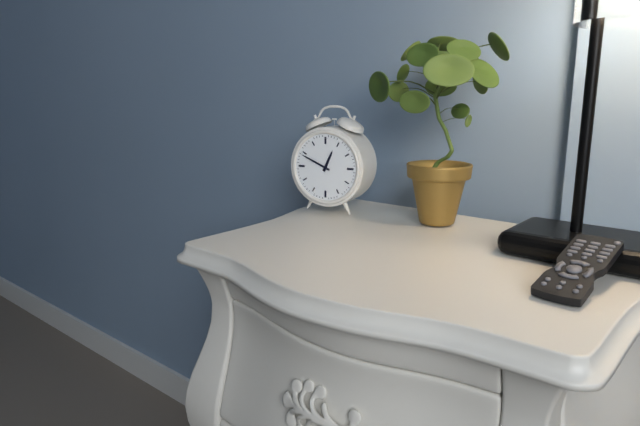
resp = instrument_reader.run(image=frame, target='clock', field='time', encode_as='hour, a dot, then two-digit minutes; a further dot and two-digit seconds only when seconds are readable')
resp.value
12.49
